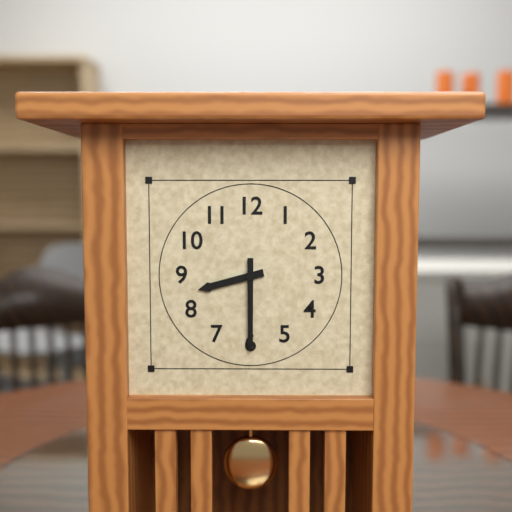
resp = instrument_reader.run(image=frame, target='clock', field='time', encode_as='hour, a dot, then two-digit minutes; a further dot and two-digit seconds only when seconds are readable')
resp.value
8.30
